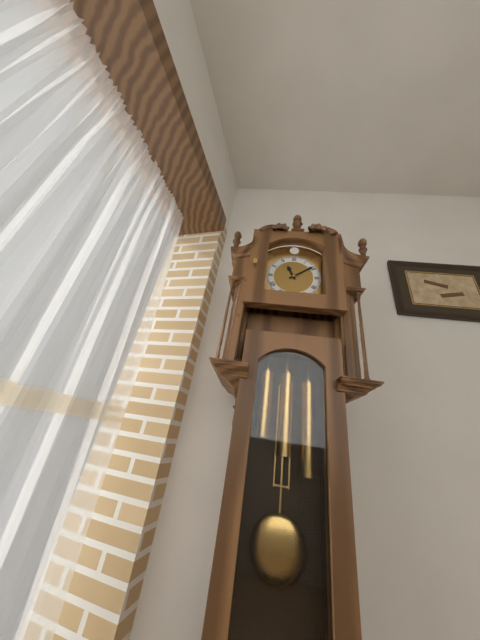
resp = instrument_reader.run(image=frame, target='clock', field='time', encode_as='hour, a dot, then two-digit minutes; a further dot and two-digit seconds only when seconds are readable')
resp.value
11.09
